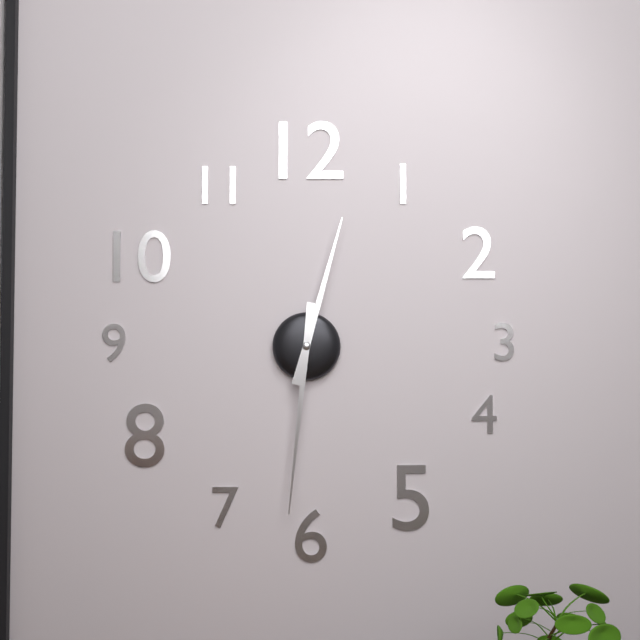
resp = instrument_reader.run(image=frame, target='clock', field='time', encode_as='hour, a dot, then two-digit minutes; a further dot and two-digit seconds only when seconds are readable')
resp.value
12.31
